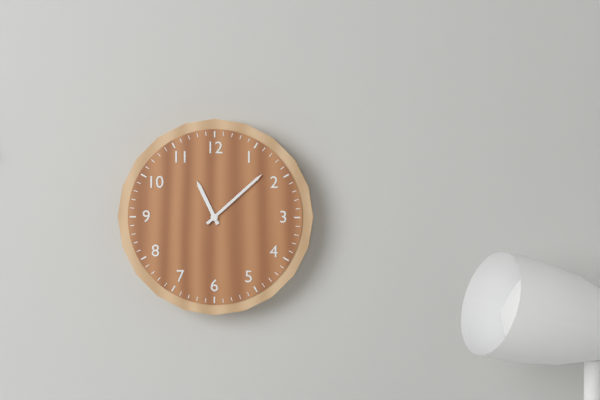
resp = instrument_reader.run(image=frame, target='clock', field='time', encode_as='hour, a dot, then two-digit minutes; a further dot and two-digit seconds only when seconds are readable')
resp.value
11.08
